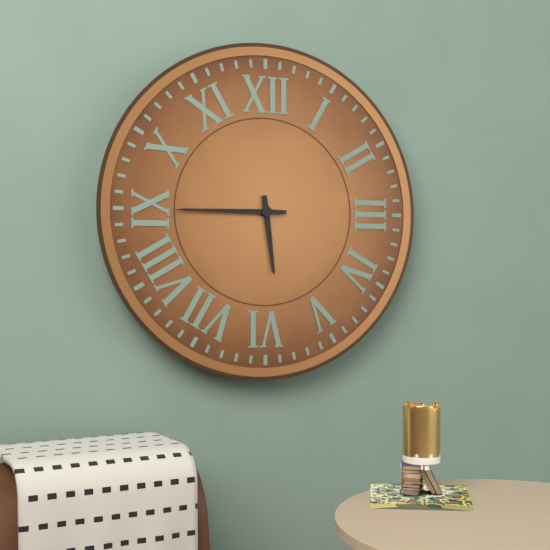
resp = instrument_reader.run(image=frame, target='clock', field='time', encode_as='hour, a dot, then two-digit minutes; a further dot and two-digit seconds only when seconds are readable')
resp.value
5.45
